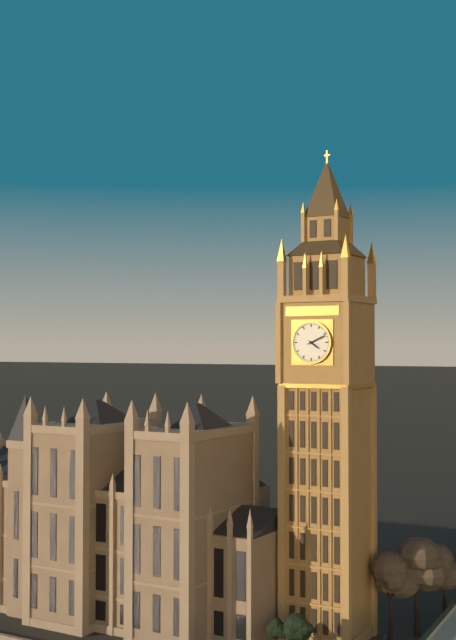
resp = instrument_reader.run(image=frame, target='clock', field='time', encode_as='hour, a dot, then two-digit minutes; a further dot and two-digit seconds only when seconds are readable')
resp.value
4.11
